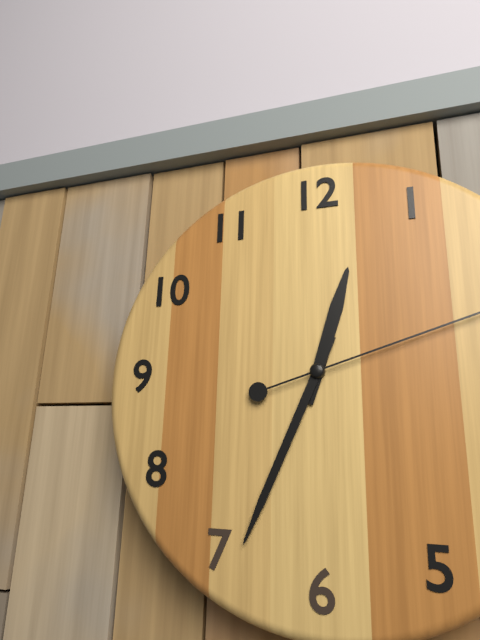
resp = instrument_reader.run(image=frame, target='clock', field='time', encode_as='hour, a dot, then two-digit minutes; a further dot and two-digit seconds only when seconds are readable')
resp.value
12.34
